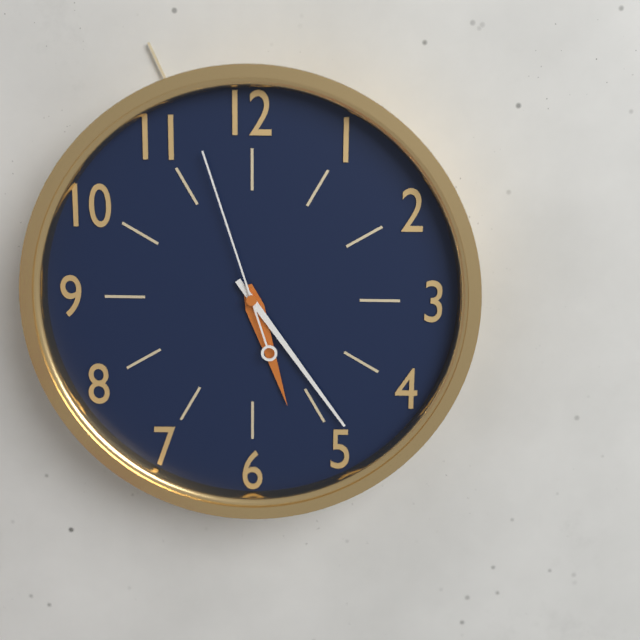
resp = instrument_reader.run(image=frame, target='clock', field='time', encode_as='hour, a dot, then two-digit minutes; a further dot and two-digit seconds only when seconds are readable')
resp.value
5.24.57
